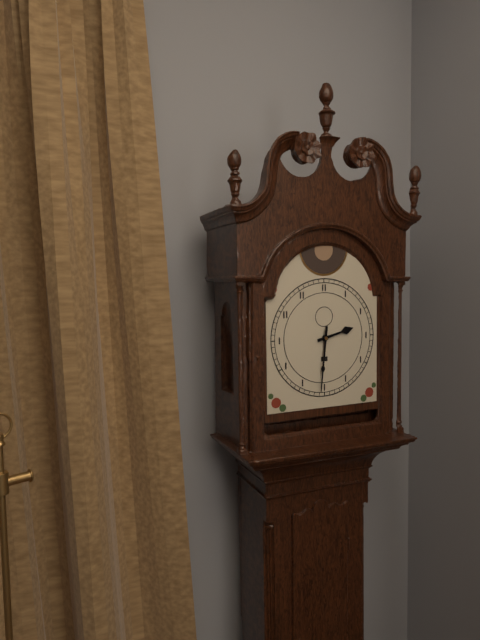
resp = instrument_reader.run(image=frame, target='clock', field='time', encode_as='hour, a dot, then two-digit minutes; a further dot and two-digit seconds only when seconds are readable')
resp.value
2.31
